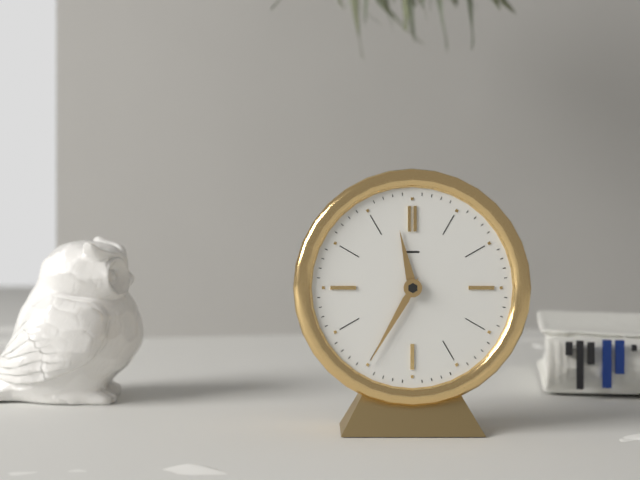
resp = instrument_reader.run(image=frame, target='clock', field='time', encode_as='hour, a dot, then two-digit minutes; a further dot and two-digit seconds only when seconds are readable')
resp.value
11.35
